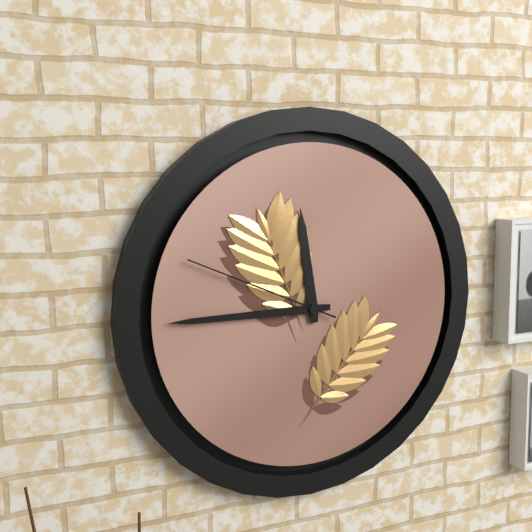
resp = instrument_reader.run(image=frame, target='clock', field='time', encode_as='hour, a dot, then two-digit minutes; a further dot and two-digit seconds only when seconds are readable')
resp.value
11.45.49
